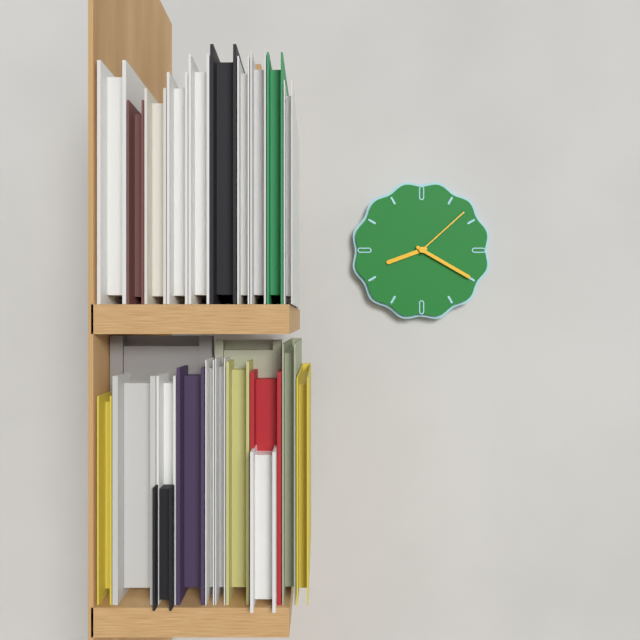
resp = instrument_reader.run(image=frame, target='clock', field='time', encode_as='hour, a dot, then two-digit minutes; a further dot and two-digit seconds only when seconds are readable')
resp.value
8.20.08
